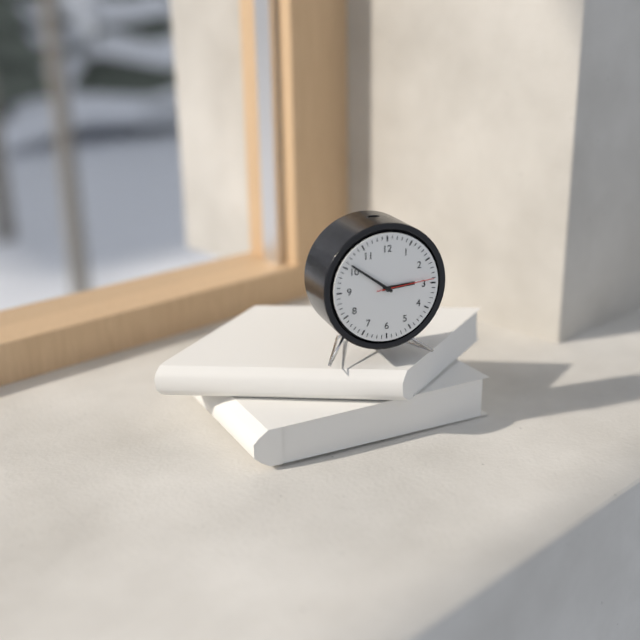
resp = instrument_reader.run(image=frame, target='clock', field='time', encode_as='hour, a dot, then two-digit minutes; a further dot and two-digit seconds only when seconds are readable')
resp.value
2.51.14
